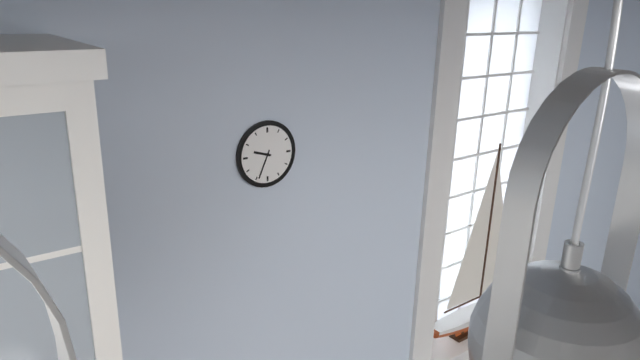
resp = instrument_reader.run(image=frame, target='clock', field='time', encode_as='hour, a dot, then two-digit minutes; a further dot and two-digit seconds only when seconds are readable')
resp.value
9.34
